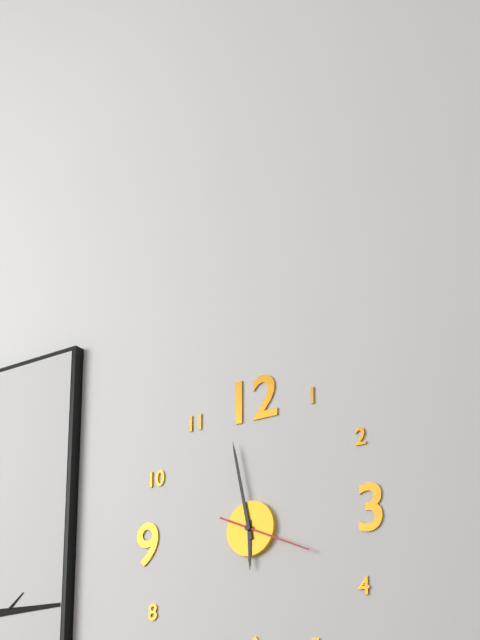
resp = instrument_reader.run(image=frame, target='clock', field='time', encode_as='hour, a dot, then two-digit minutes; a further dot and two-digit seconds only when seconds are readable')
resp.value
5.58.19
